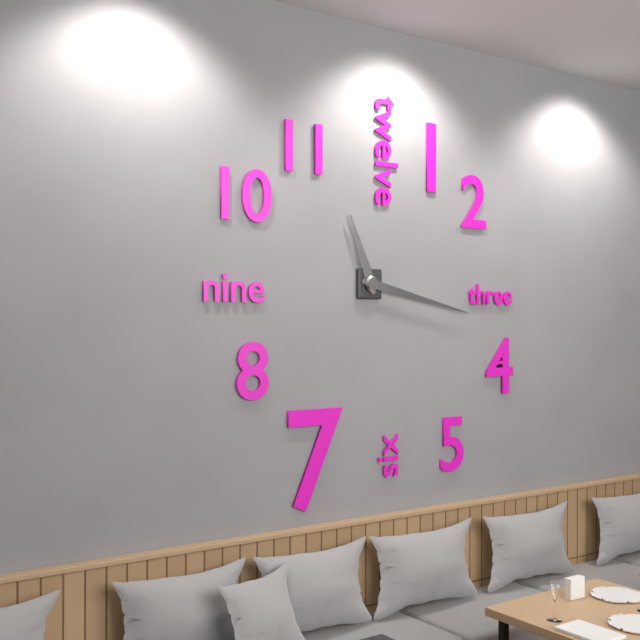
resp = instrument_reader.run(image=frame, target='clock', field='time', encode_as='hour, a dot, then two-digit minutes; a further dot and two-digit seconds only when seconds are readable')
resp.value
11.17
